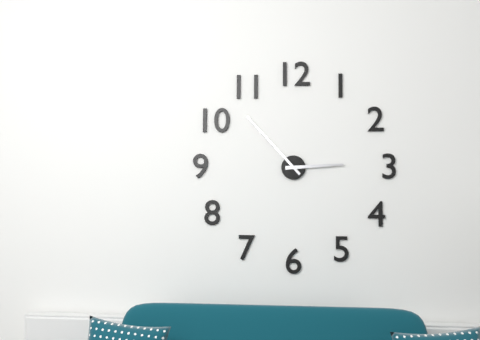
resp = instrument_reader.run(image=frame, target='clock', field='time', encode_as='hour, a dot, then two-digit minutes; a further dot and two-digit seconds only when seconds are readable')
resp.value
2.53
